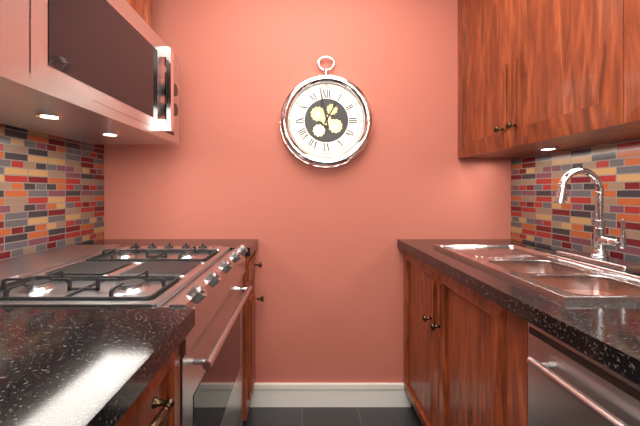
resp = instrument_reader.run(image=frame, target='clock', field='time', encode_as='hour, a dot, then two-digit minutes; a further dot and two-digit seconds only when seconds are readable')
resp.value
12.58
